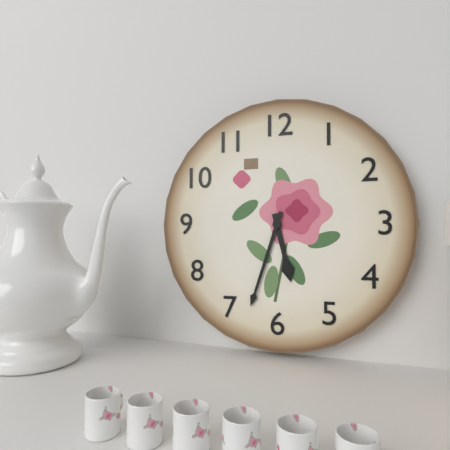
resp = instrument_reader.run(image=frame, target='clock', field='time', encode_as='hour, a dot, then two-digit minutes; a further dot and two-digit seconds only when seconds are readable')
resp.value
5.33
